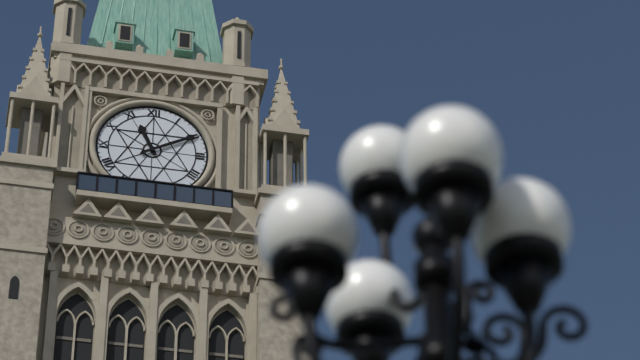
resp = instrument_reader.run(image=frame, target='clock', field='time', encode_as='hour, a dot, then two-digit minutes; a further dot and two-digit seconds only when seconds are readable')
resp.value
11.10
